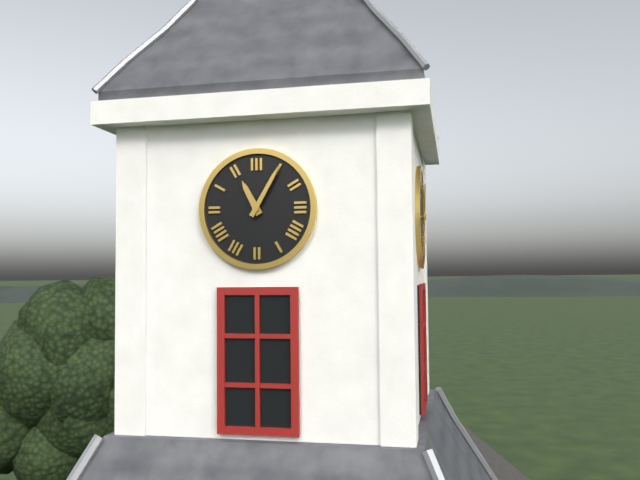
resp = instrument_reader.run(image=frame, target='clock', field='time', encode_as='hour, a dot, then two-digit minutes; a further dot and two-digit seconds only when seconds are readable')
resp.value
11.05
